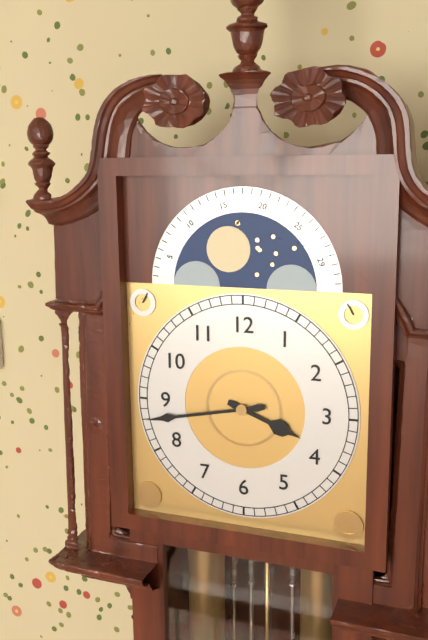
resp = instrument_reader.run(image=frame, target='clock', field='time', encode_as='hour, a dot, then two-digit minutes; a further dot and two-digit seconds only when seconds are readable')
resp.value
3.43
